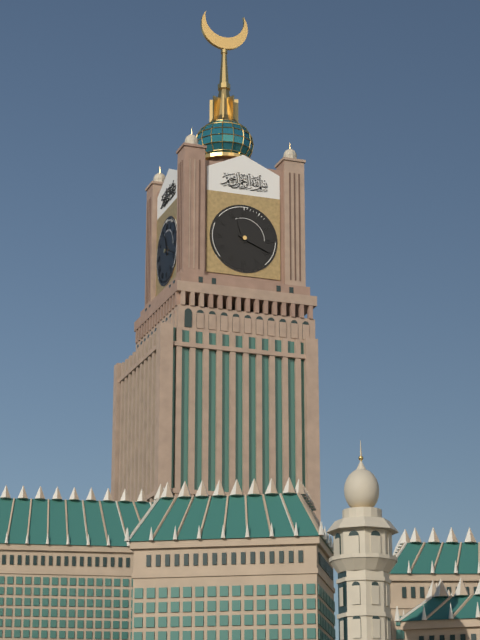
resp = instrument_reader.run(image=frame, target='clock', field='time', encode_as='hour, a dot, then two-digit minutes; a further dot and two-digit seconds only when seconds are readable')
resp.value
11.19
